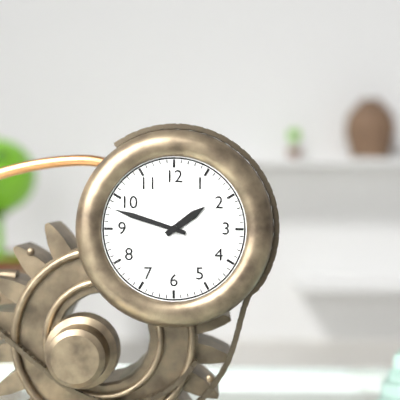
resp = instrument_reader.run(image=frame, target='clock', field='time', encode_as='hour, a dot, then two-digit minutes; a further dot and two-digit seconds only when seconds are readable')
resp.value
1.48
